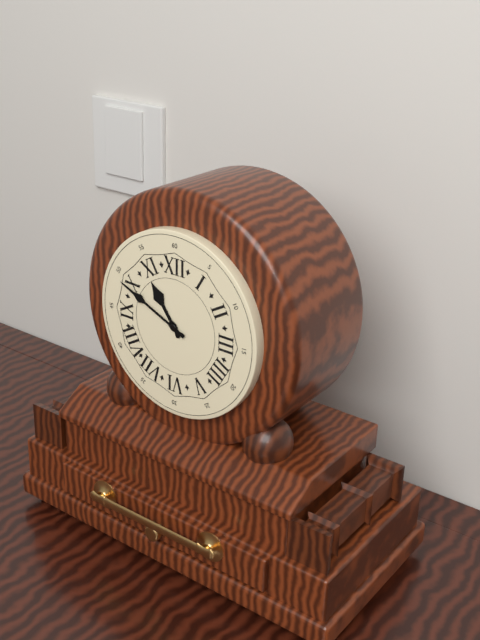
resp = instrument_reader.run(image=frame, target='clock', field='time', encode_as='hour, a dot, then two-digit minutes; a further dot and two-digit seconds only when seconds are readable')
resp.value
10.49
